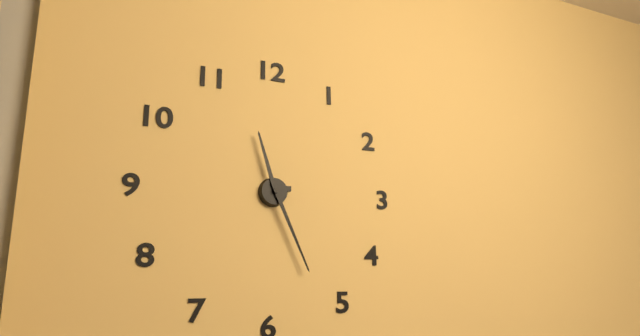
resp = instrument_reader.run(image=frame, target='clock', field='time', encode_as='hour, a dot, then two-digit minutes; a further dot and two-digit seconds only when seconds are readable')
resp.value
11.26
